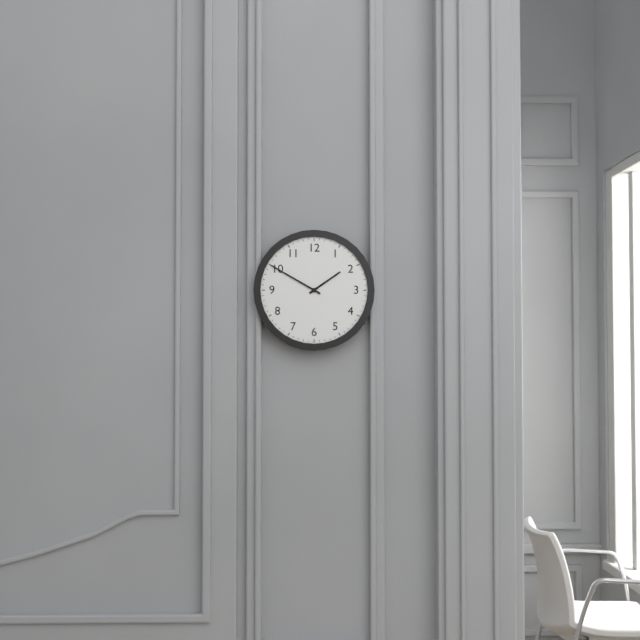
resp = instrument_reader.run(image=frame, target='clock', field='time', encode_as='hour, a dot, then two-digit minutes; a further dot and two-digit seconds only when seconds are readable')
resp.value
1.50
